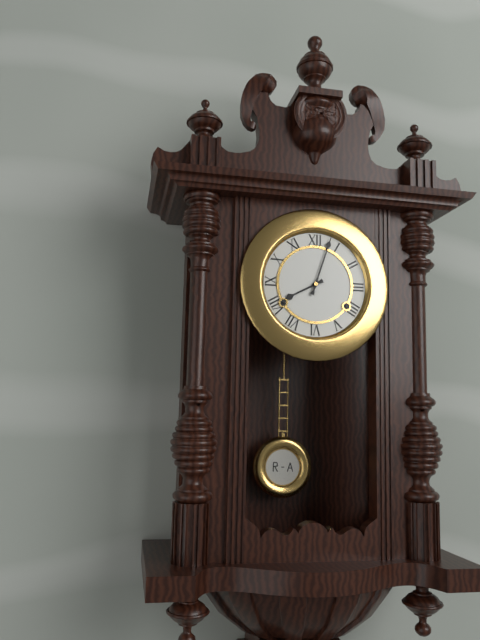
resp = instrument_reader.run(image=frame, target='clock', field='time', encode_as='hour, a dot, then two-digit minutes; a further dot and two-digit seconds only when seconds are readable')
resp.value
8.03
